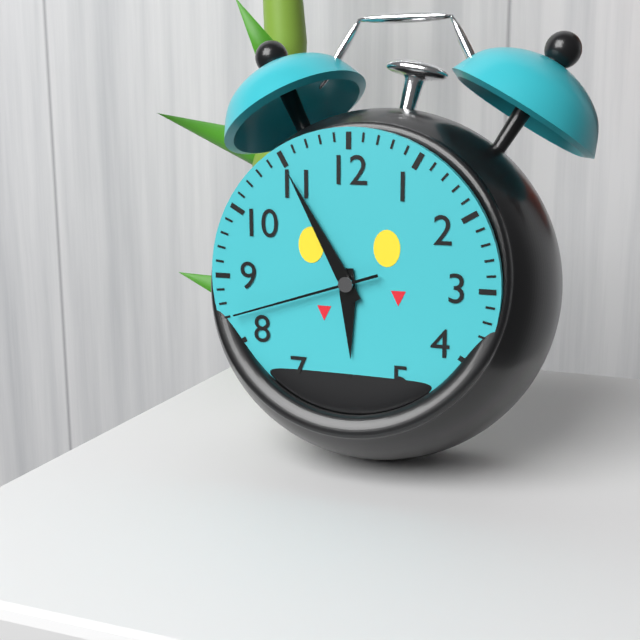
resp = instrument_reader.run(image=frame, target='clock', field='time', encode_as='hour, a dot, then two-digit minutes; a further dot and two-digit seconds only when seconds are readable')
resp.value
5.55.42
